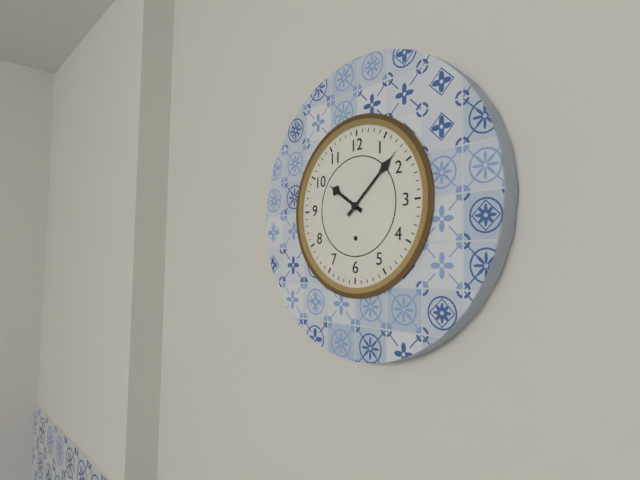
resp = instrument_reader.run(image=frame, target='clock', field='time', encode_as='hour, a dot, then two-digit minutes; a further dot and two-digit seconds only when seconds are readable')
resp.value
10.08
